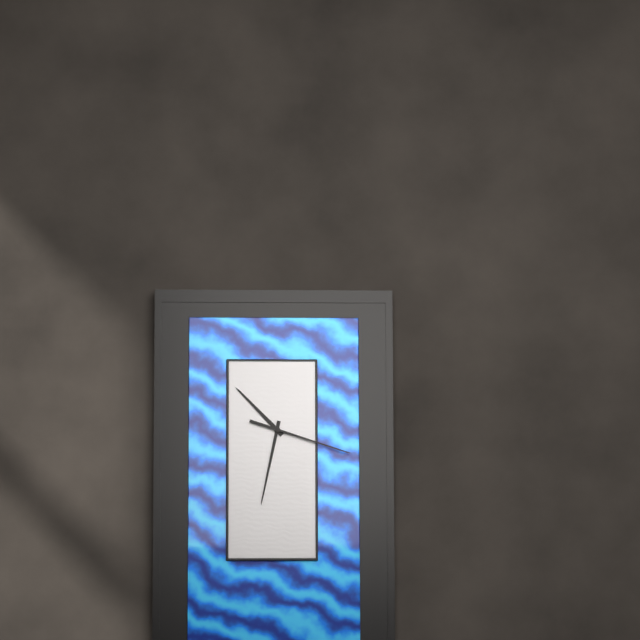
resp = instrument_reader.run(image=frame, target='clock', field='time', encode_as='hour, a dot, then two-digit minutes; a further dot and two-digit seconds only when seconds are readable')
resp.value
10.32.18
